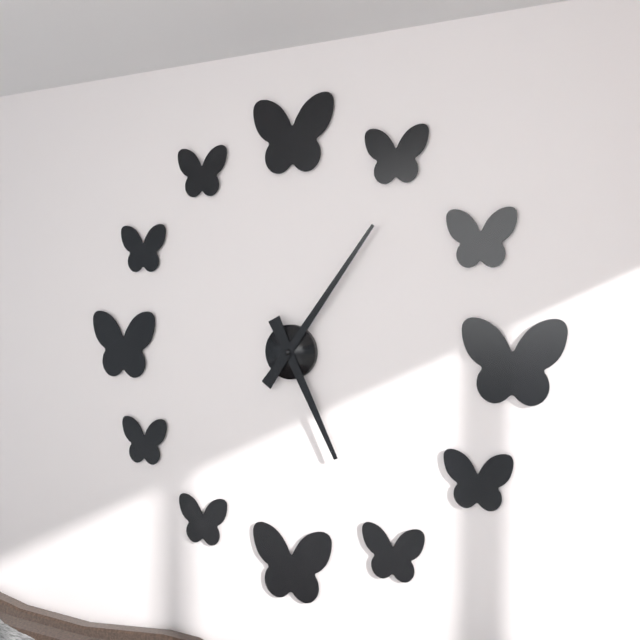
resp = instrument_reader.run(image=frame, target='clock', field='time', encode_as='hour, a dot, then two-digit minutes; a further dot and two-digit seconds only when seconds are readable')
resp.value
5.06
